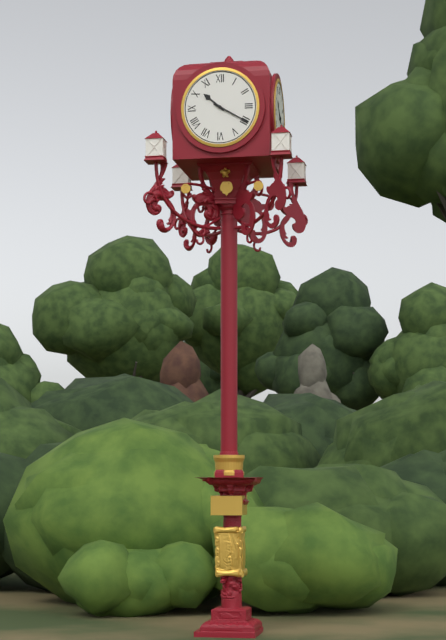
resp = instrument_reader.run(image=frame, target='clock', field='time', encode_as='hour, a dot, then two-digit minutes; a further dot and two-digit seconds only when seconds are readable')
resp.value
10.20
